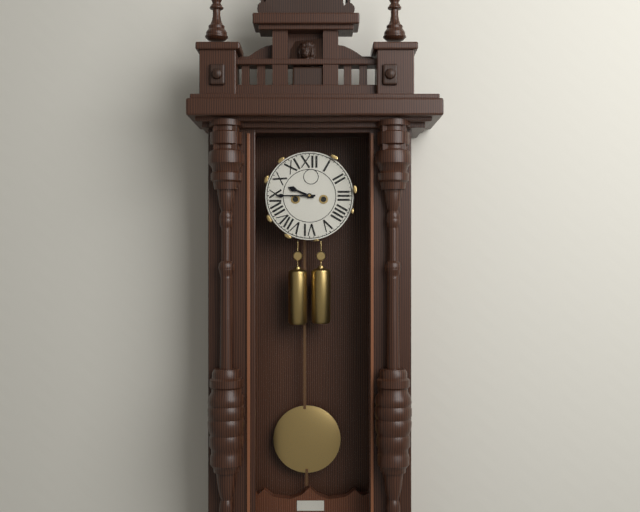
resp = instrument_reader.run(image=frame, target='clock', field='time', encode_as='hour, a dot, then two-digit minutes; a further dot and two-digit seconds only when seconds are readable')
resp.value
9.45
